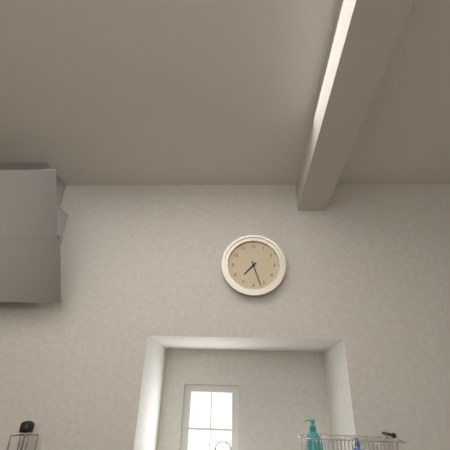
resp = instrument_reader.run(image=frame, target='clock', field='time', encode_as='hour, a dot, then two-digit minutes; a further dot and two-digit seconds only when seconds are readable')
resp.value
7.27
